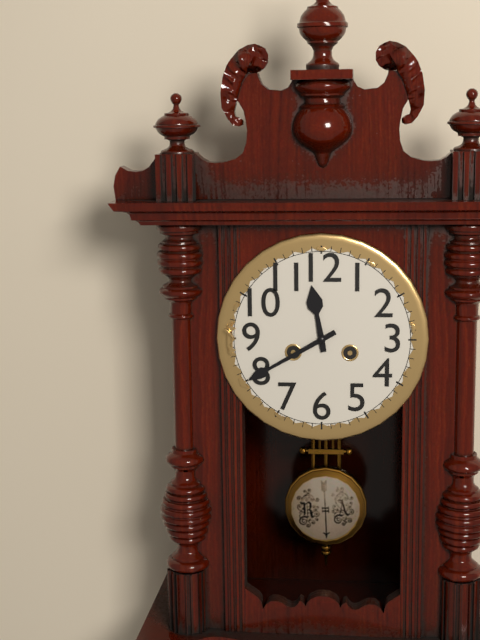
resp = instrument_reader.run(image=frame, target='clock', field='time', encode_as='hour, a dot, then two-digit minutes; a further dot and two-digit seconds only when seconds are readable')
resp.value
11.40
